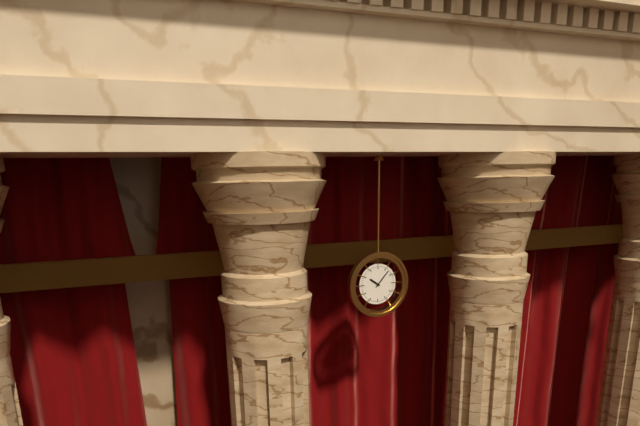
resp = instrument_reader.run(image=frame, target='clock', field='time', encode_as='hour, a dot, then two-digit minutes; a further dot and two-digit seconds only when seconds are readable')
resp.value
10.07
